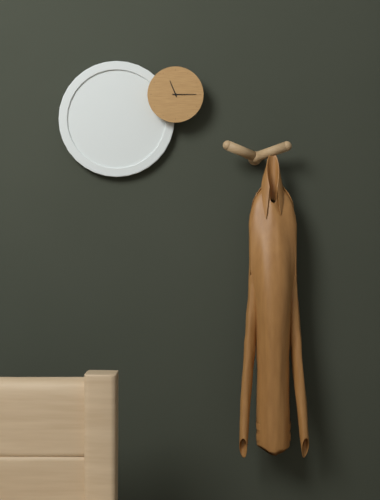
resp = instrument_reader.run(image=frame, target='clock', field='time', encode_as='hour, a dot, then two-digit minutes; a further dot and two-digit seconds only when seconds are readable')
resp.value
11.15
